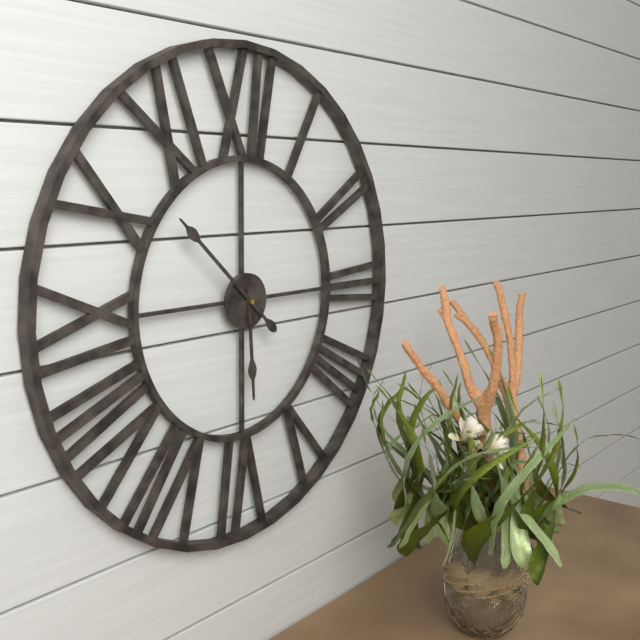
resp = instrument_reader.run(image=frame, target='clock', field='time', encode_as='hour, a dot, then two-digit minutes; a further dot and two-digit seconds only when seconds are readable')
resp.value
5.52
